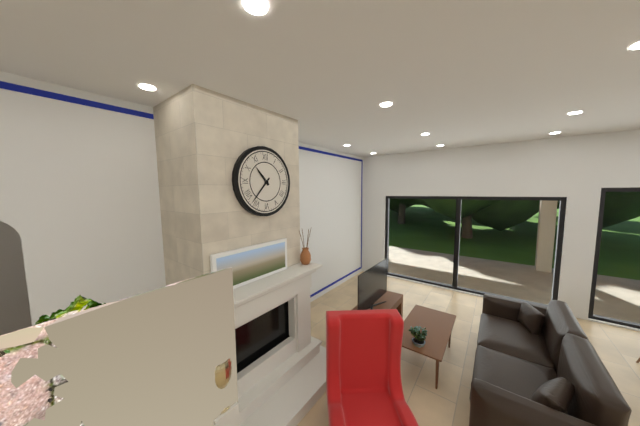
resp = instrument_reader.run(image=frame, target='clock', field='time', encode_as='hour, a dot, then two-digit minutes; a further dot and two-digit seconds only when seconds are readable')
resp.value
10.37
